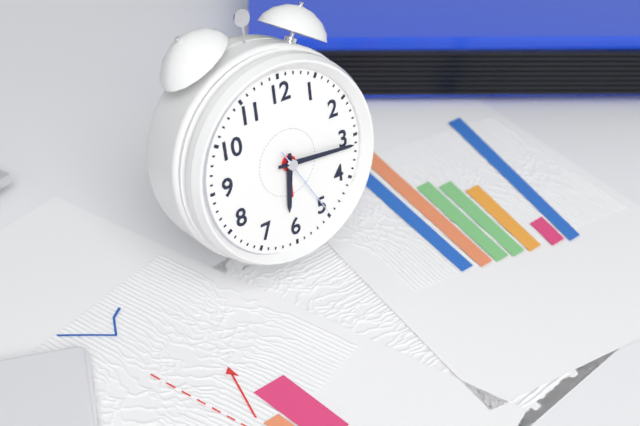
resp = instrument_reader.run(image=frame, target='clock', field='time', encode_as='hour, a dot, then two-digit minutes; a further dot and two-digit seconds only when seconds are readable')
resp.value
6.16.25
